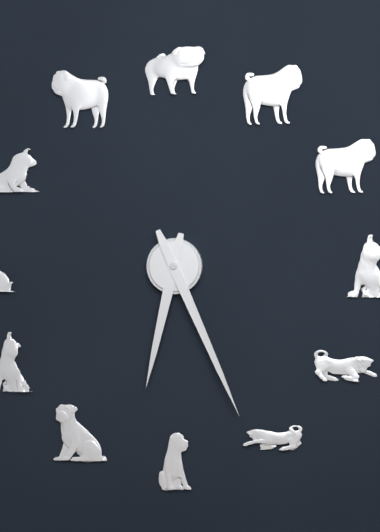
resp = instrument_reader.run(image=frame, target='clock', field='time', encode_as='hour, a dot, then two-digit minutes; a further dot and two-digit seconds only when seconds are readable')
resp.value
6.26
